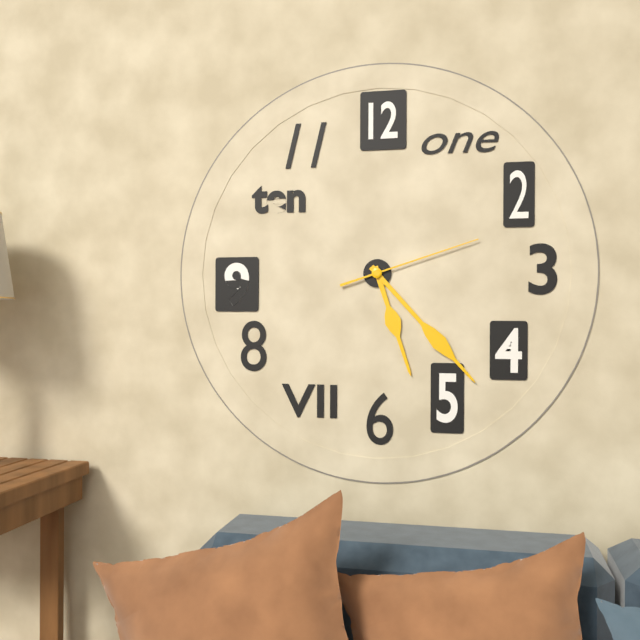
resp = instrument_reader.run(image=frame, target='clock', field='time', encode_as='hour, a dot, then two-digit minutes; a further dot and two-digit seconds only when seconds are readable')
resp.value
5.23.12
